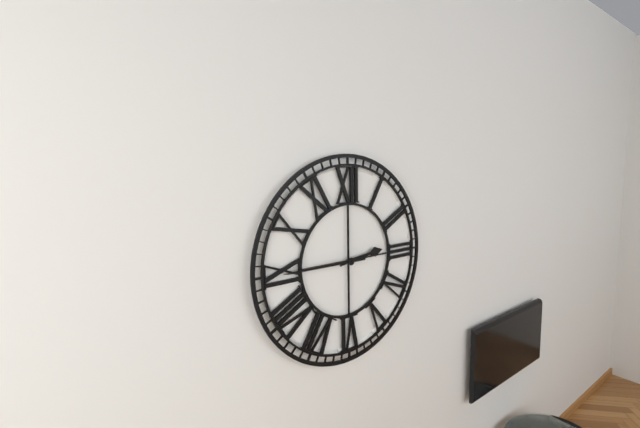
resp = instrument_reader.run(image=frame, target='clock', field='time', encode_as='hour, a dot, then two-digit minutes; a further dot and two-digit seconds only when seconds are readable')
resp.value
2.45
